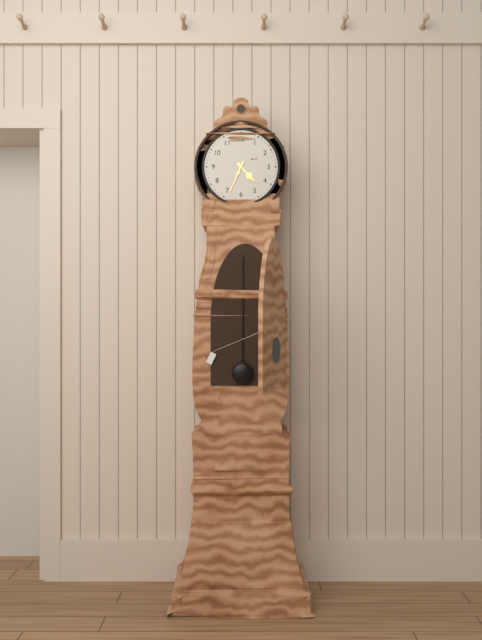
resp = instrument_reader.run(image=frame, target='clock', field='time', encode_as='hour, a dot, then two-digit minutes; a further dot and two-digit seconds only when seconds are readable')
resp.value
4.34
